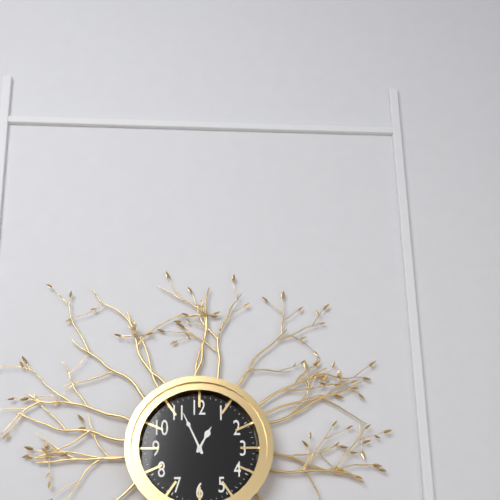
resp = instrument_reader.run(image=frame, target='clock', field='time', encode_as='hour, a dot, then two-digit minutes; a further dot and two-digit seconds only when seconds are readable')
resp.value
12.56
